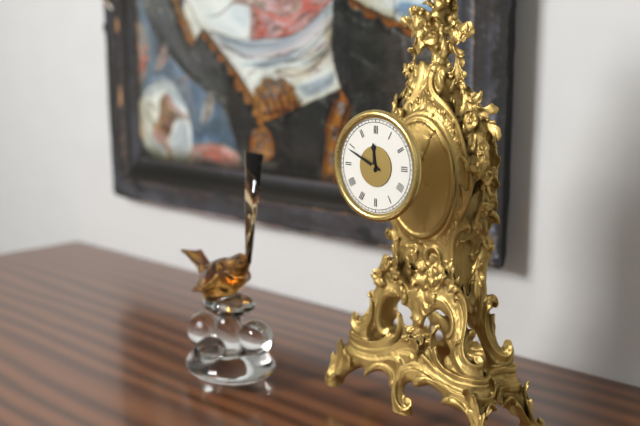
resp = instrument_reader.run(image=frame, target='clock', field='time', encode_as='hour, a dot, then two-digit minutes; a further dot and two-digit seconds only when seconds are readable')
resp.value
11.49
